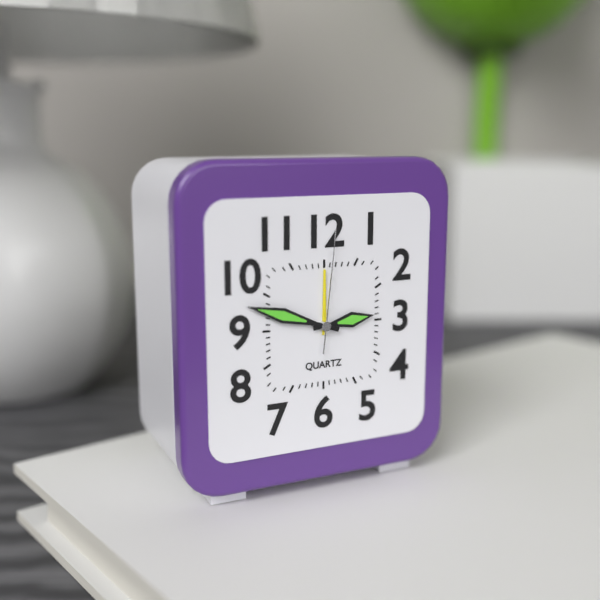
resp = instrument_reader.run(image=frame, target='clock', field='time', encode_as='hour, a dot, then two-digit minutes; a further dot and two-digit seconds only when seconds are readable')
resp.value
2.48.01
